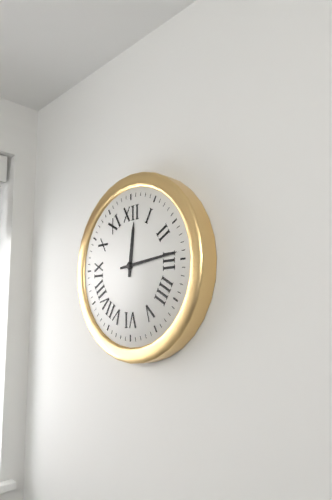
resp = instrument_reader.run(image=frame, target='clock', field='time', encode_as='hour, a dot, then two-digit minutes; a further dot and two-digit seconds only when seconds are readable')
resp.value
12.14
